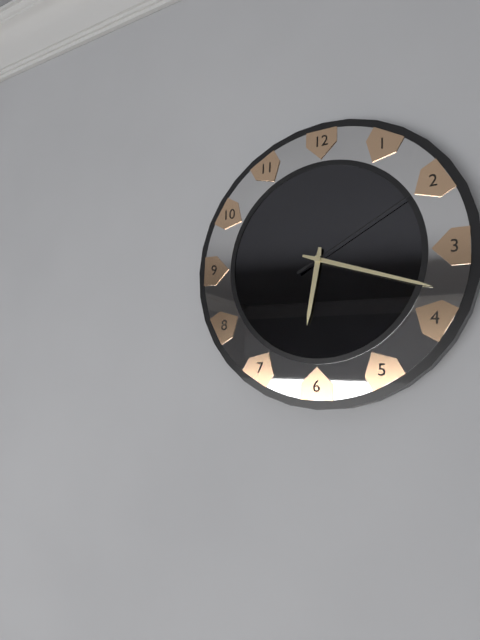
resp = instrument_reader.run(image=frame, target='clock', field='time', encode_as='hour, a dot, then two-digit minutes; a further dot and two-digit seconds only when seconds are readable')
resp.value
6.18.10
